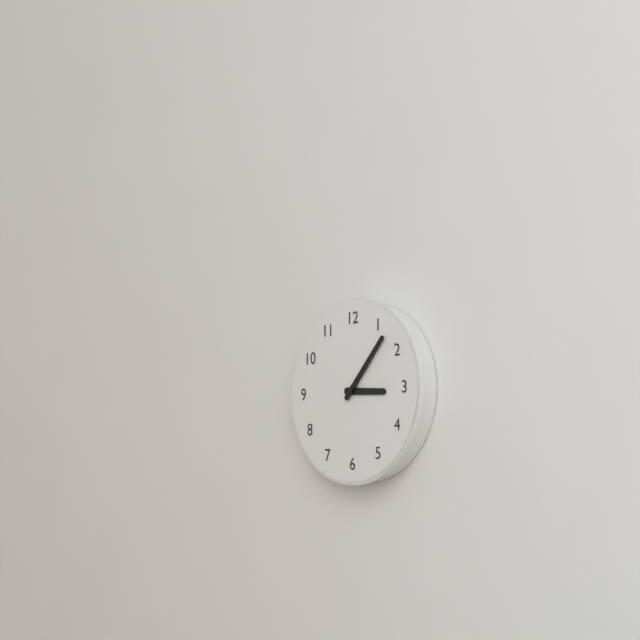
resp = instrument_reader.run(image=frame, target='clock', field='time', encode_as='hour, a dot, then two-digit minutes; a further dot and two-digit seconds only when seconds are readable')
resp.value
3.07
